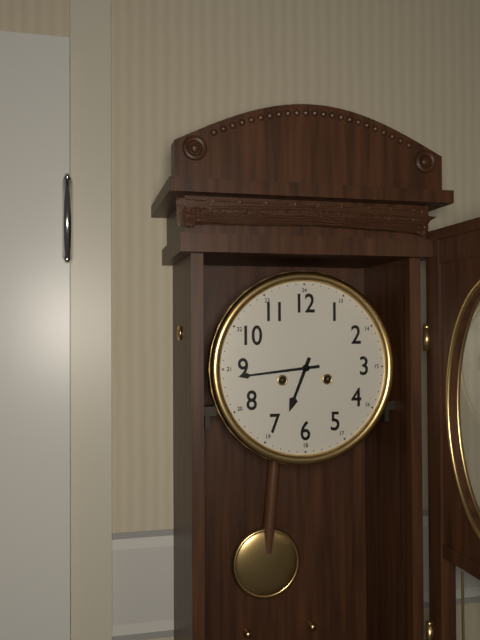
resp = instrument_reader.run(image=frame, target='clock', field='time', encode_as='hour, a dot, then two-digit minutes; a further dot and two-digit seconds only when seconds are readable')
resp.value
6.44
